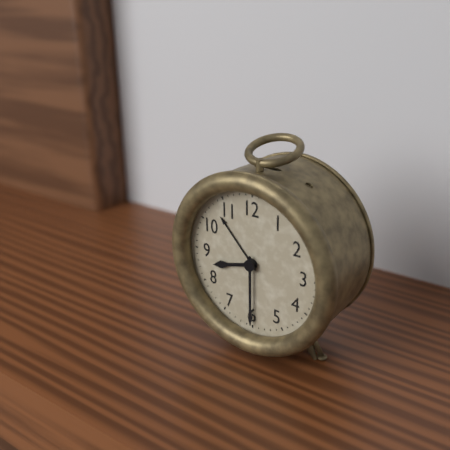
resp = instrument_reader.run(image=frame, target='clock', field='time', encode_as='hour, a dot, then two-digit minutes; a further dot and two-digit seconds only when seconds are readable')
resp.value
8.30
